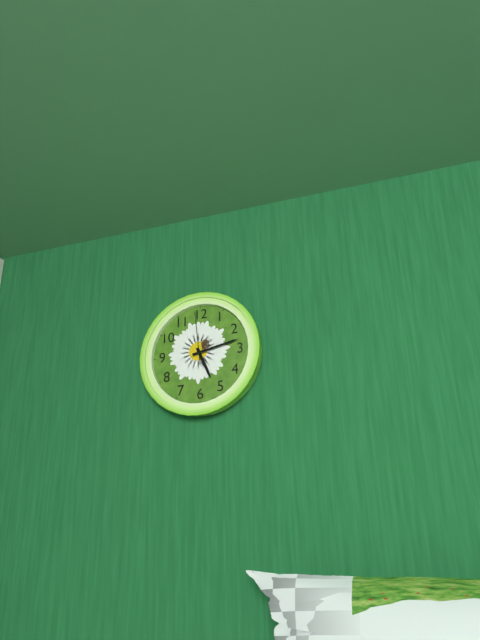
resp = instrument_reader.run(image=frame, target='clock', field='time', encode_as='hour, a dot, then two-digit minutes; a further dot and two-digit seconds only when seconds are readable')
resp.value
5.13.59
